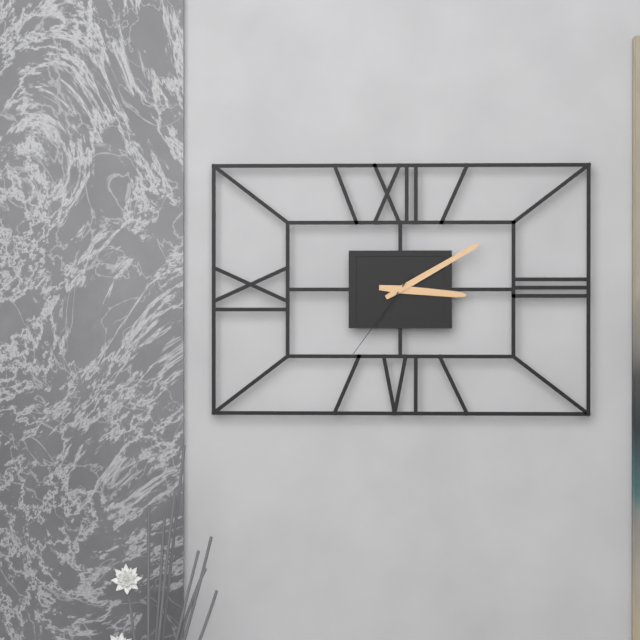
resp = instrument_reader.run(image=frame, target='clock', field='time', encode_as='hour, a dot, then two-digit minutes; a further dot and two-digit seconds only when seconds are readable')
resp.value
3.10.36
